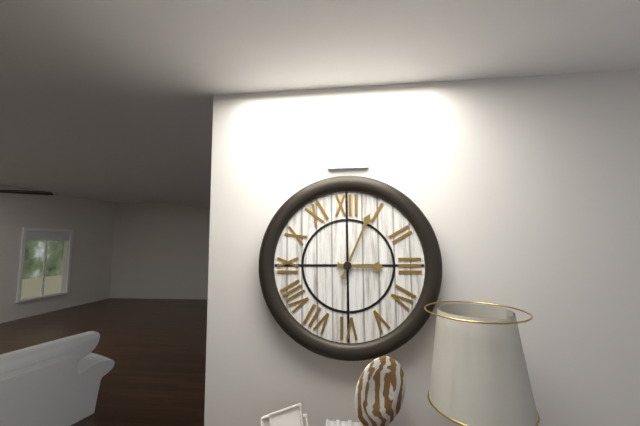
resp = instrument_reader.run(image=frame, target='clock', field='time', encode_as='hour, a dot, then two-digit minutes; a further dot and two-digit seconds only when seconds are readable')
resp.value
3.04
